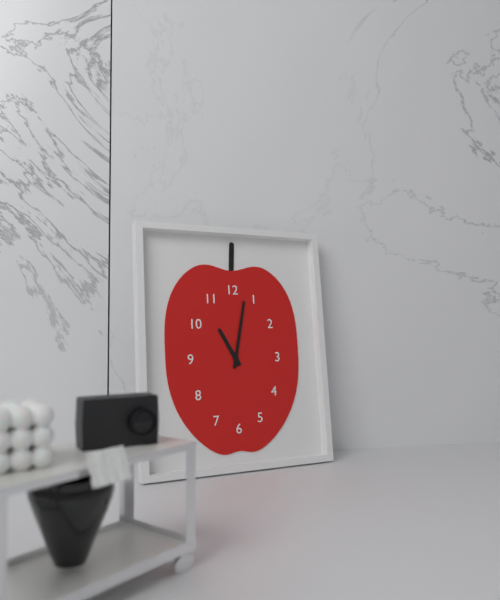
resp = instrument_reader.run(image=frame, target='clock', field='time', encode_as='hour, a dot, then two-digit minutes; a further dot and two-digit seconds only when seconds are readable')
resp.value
11.02
